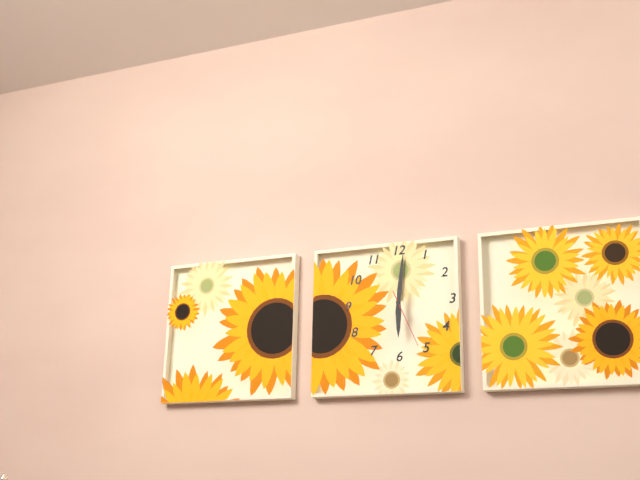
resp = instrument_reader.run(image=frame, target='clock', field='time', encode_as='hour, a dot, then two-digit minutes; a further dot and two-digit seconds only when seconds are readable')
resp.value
6.01.26
